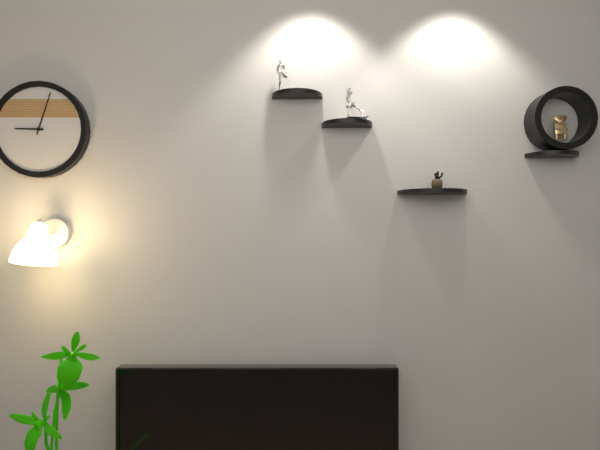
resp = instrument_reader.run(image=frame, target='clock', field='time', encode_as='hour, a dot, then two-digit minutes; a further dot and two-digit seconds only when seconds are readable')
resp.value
9.03
